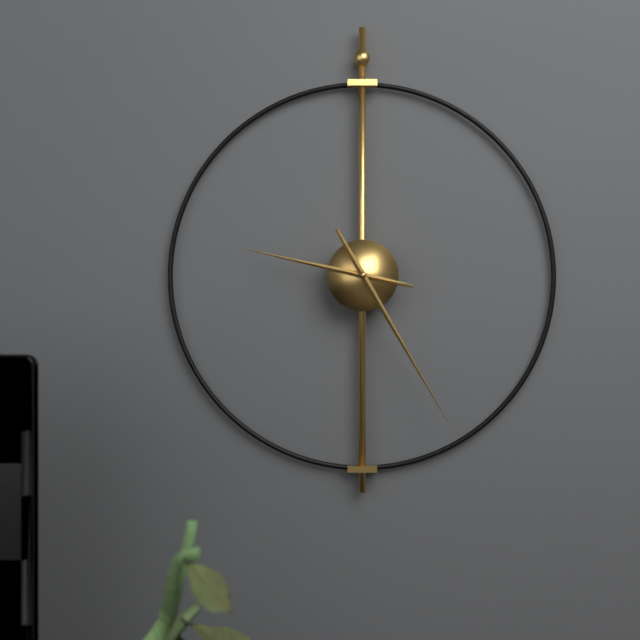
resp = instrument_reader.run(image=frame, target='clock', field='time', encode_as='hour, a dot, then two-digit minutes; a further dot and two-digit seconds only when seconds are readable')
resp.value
9.25
